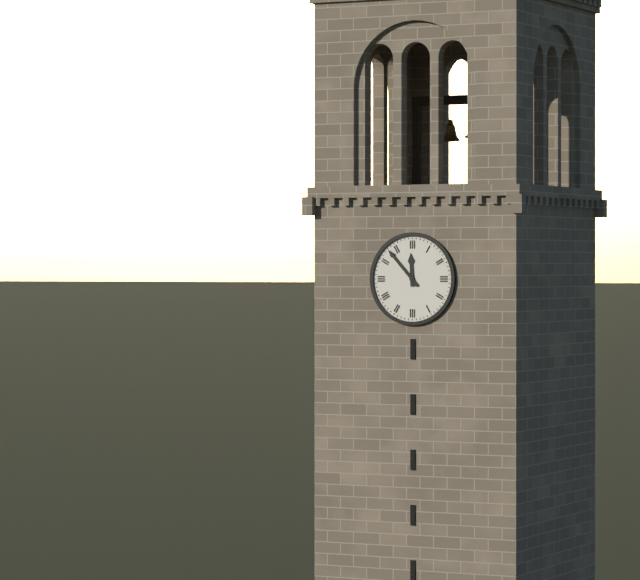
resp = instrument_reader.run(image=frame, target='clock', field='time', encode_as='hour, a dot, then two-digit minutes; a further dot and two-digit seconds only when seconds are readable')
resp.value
11.53
